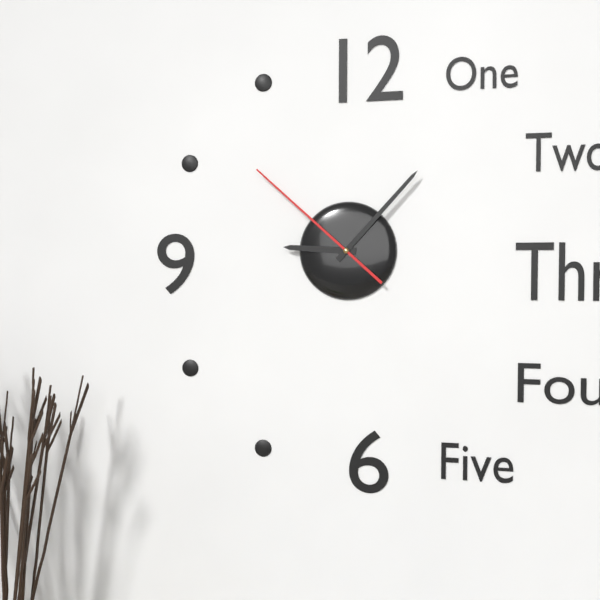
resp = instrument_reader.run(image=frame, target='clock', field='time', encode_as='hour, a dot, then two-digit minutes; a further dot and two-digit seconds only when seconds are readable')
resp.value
9.07.52
